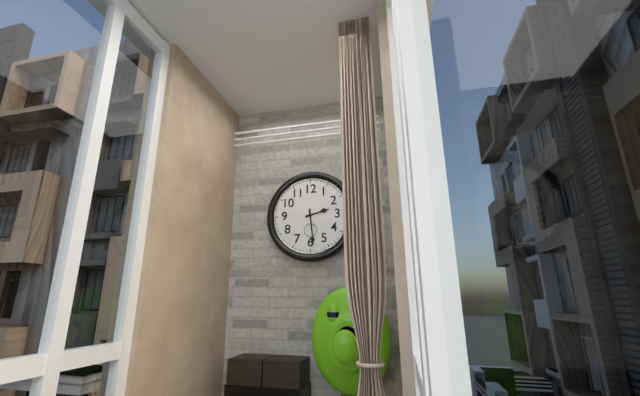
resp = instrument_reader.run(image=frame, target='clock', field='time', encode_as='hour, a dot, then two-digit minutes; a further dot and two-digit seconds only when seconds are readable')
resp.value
2.29
